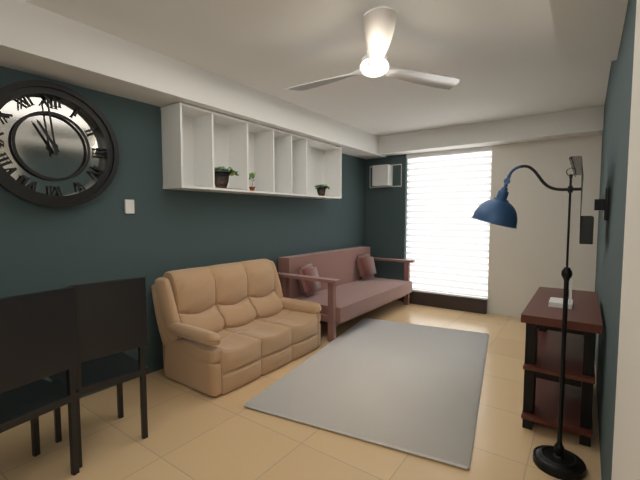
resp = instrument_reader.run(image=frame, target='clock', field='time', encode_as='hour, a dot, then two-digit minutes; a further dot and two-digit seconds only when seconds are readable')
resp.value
10.59
